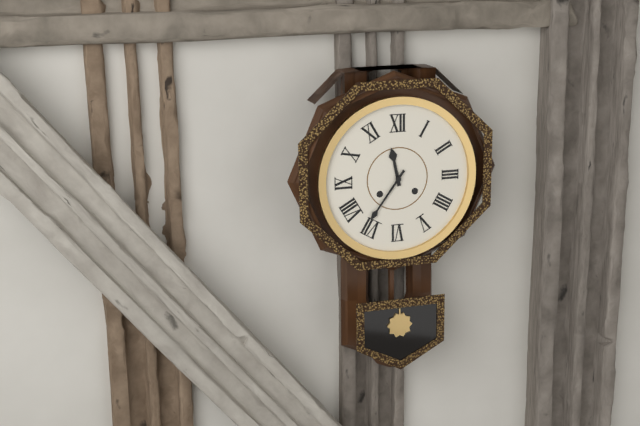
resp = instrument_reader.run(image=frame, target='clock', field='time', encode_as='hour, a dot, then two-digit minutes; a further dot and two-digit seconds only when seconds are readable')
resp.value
11.36
